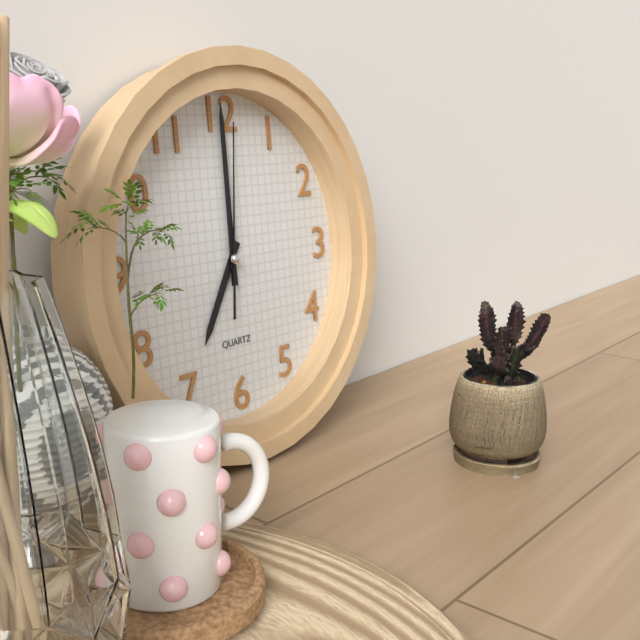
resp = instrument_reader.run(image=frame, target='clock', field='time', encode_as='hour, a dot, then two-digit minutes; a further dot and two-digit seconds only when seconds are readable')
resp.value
7.00.01
